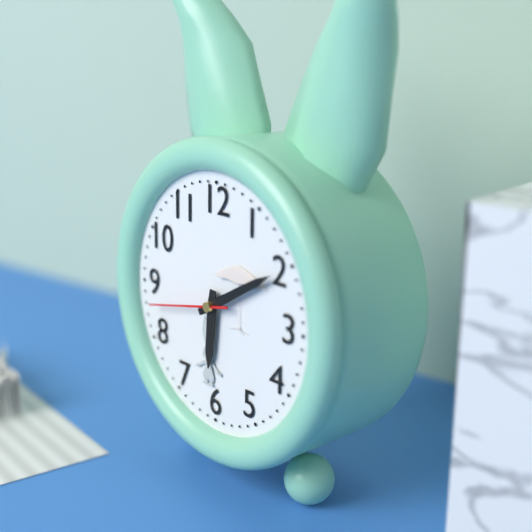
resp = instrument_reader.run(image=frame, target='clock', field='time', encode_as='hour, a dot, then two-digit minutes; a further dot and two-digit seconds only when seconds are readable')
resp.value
6.10.43
